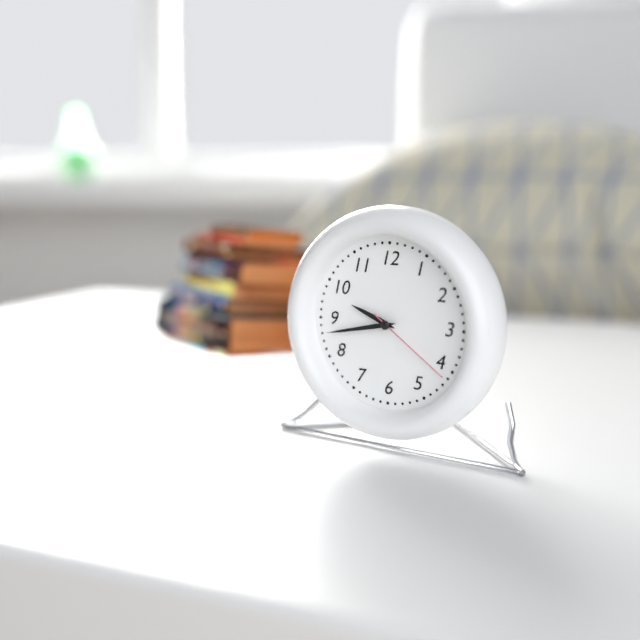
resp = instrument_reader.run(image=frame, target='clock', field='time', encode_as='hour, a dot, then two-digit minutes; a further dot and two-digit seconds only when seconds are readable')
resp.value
9.43.21
